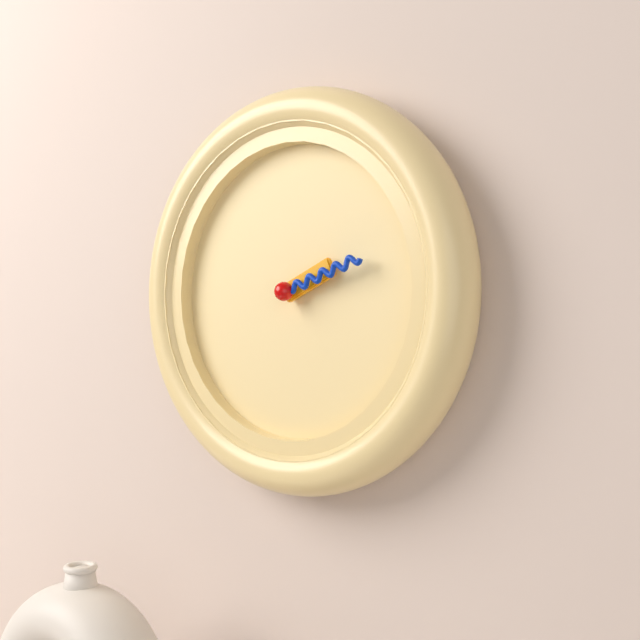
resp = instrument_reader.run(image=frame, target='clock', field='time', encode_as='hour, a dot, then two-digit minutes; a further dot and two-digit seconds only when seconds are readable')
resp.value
2.12
